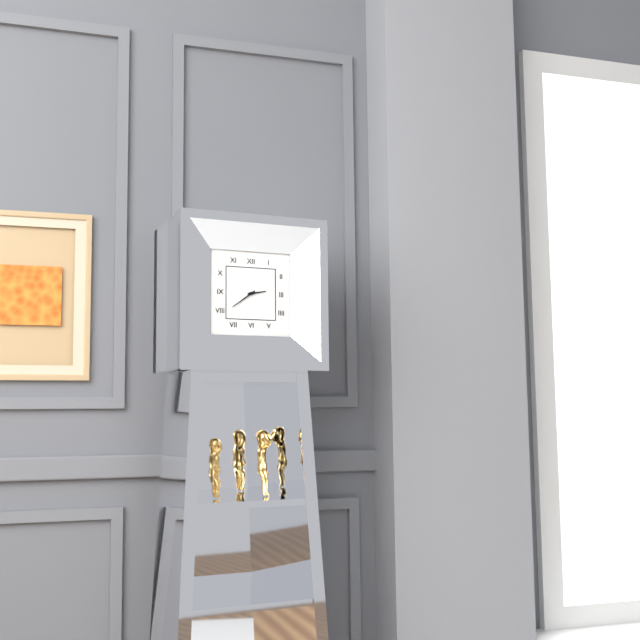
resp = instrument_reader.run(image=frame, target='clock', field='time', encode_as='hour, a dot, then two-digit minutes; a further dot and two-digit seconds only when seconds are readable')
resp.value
2.39
